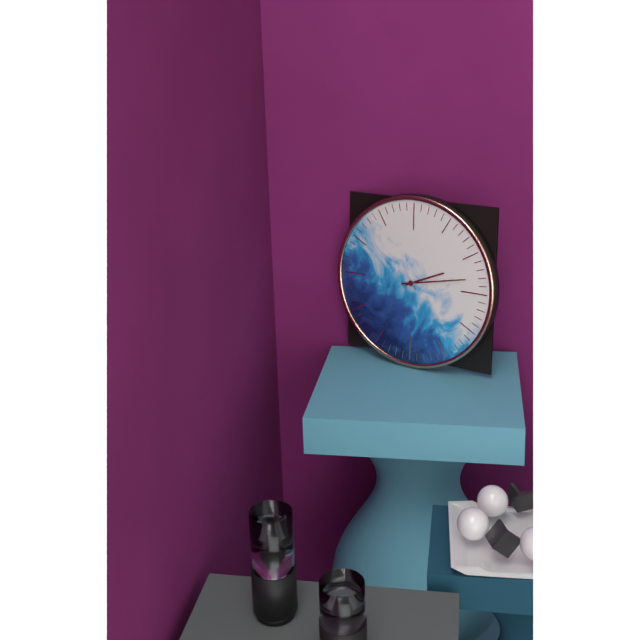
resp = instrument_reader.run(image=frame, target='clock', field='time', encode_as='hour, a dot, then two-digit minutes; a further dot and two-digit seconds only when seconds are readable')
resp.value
2.13
